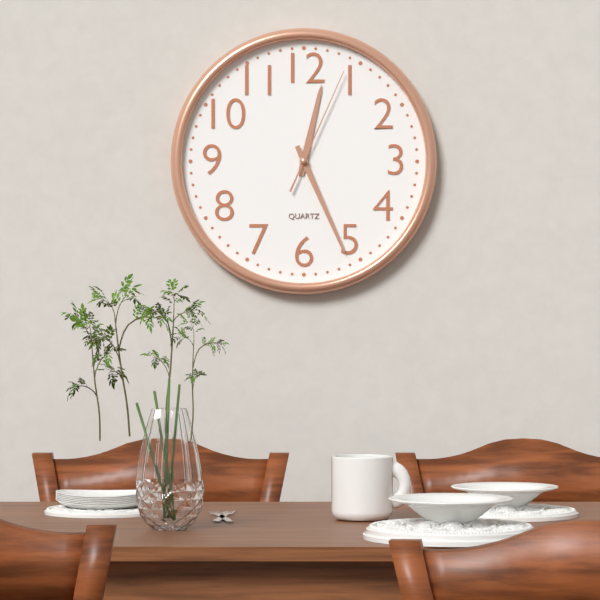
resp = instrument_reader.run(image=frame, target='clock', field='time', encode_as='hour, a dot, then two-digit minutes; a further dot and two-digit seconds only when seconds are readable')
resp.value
12.26.04
